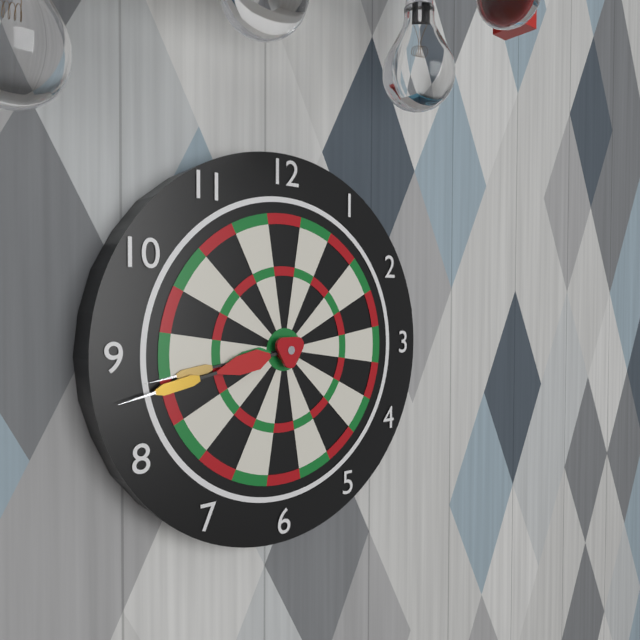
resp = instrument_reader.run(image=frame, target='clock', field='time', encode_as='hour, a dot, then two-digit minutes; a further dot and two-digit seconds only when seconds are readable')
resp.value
8.43
